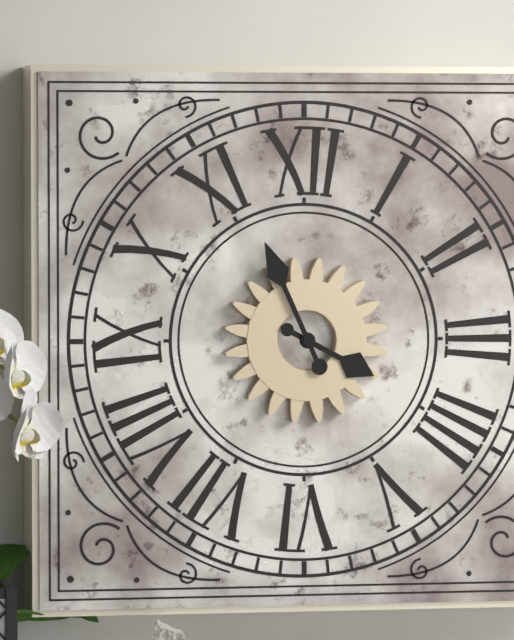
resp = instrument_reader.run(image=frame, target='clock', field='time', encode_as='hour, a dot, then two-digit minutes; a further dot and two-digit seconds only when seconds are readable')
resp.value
3.56
